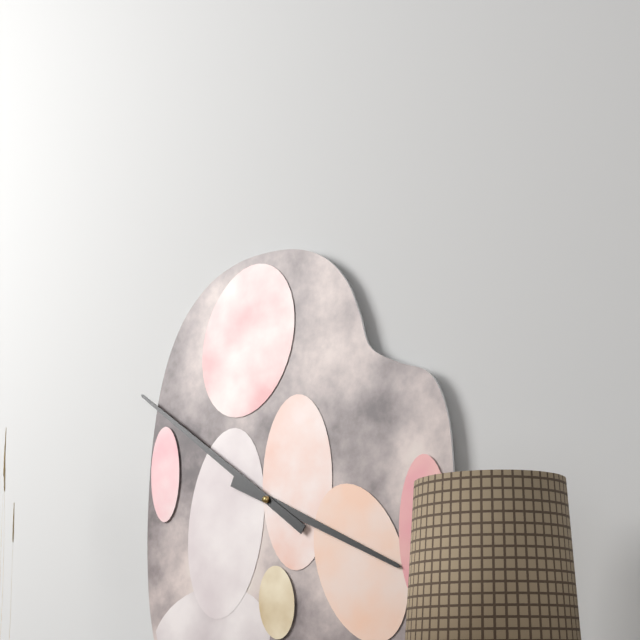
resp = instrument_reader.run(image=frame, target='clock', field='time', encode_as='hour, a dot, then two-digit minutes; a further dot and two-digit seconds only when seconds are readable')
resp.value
3.51
